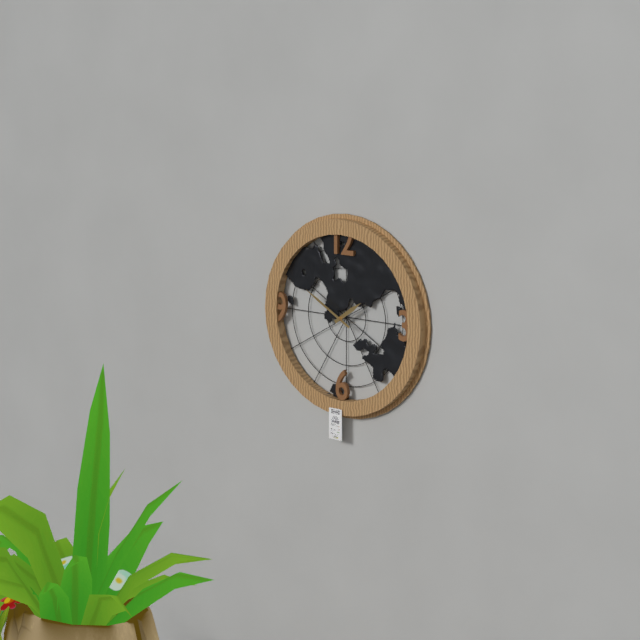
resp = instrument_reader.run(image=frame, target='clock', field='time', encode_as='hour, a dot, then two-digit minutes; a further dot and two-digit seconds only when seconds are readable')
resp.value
1.50
